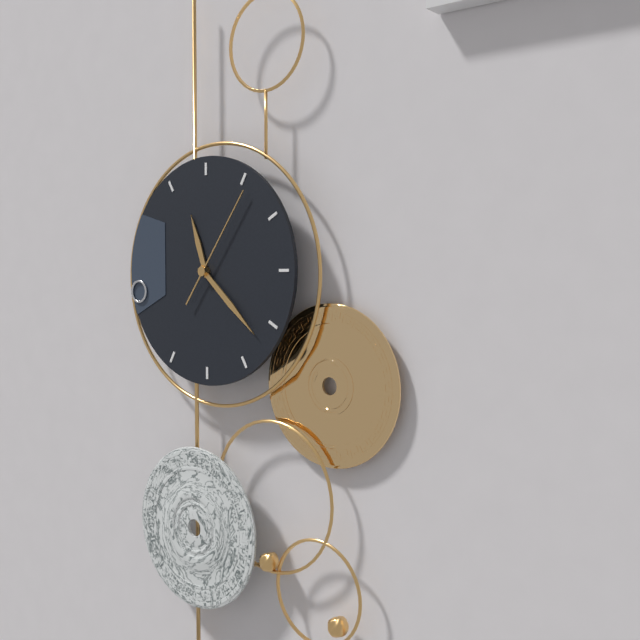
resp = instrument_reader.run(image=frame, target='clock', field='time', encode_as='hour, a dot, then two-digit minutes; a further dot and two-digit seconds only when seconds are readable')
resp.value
11.22.06
